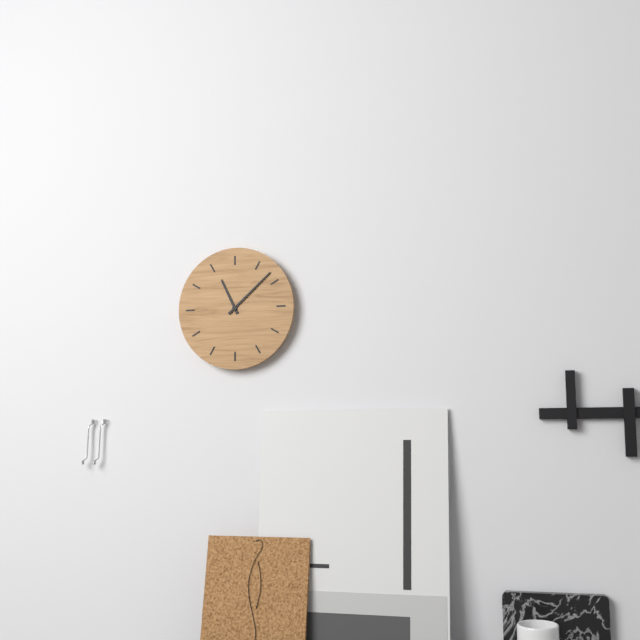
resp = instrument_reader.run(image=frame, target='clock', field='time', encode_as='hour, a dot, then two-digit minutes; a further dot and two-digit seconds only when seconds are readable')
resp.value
11.08
